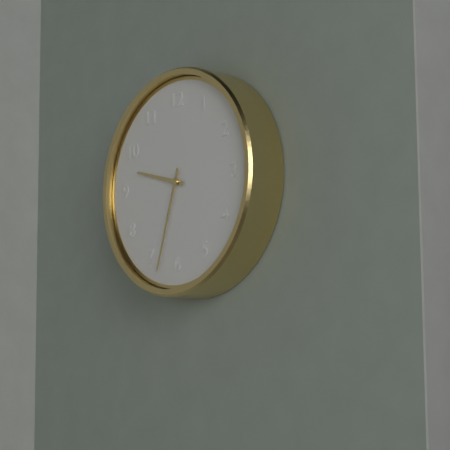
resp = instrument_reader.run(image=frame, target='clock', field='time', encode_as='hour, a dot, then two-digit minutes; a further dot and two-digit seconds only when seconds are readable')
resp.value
9.33
